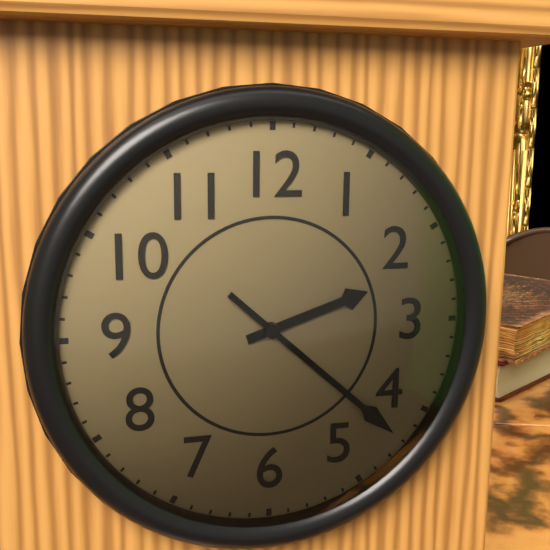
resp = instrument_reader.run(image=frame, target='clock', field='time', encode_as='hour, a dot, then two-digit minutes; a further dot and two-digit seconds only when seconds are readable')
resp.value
2.22
